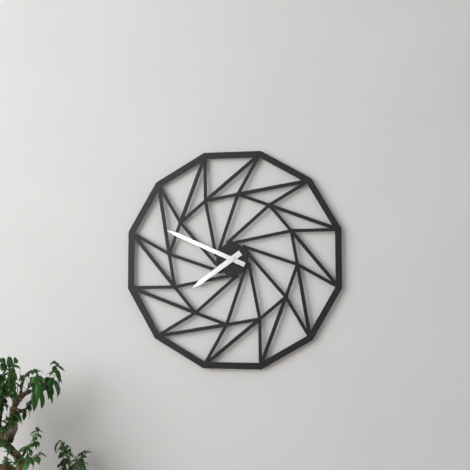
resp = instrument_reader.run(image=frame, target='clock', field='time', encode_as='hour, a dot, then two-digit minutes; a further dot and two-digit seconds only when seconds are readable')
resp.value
7.49
